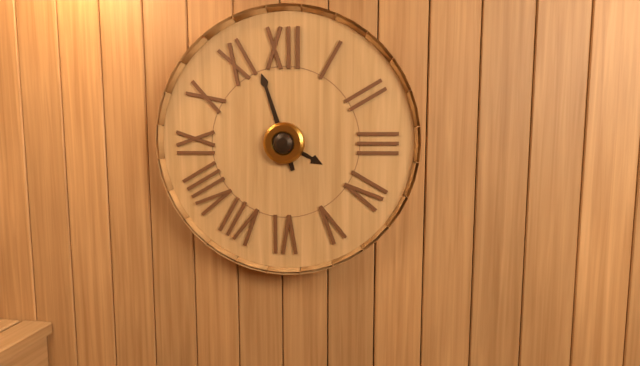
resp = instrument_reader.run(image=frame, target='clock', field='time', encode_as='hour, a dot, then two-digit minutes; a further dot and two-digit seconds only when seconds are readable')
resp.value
3.57
